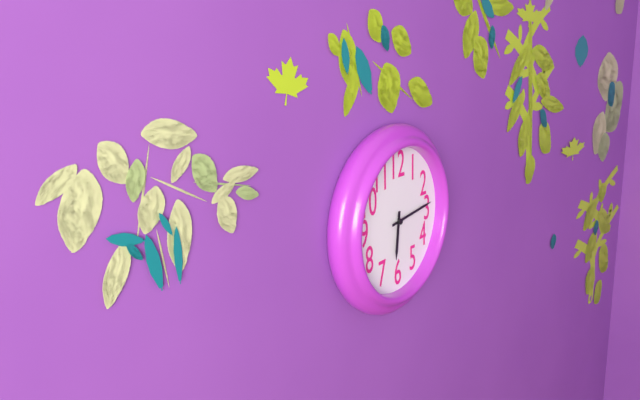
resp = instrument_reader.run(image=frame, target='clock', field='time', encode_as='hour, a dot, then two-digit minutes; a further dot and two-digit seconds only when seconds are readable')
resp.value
6.14
